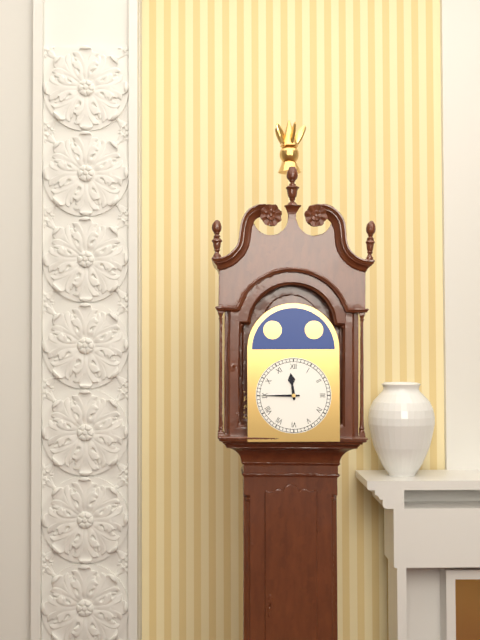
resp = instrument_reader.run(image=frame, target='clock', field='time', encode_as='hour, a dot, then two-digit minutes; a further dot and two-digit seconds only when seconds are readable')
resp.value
11.45
